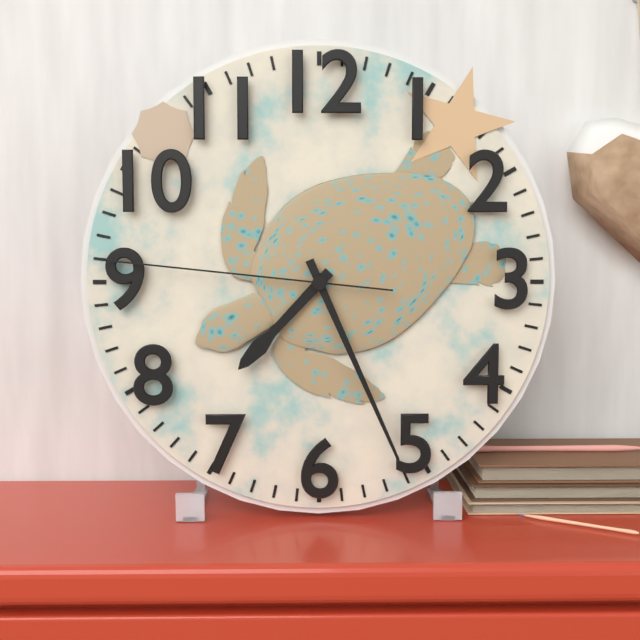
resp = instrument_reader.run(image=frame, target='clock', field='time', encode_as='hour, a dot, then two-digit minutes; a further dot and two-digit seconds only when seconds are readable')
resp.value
7.26.46
